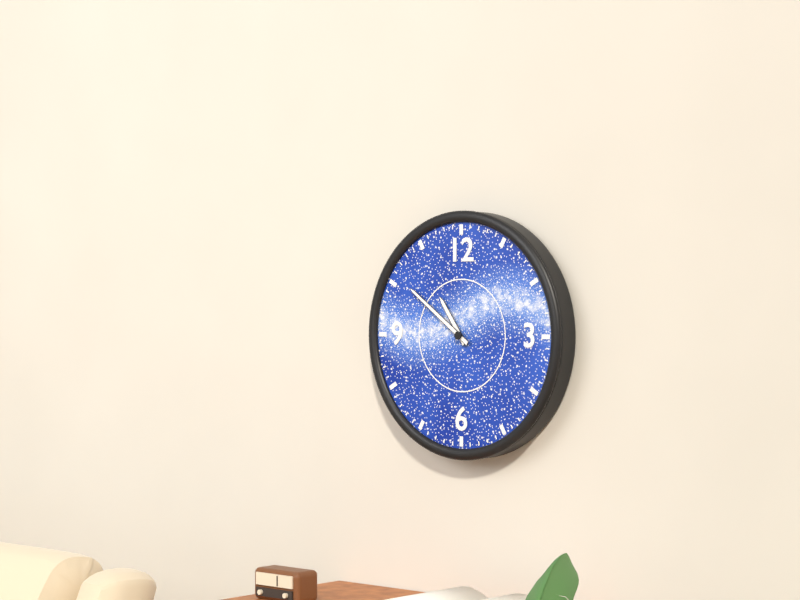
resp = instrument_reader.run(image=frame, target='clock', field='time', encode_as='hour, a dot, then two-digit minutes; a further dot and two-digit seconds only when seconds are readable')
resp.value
10.51
